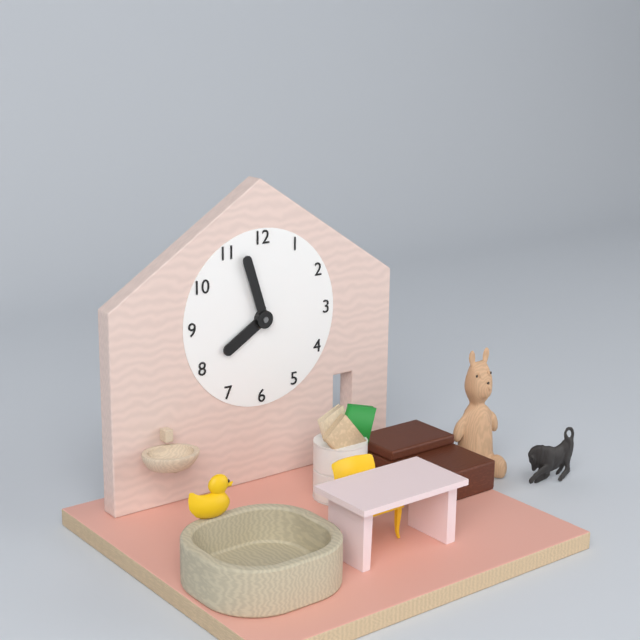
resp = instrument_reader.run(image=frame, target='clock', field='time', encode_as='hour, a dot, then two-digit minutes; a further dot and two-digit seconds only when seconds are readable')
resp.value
7.57
